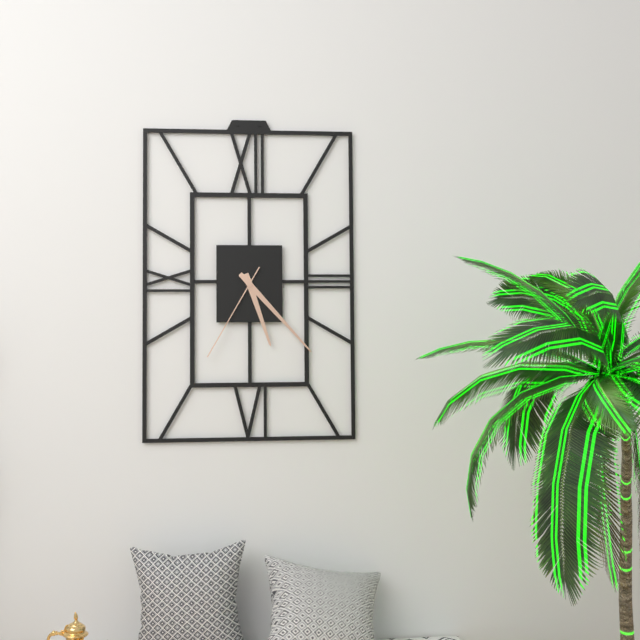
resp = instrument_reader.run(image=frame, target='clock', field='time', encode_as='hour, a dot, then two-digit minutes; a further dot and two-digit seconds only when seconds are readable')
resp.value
5.23.35
